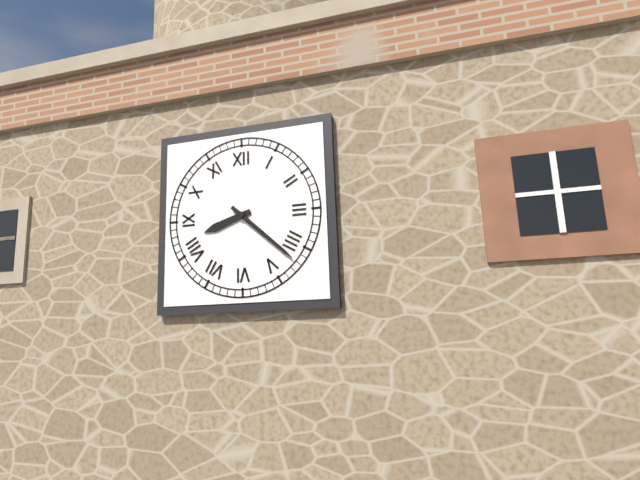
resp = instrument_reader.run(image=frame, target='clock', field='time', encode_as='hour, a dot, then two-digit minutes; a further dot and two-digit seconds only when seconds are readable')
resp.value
8.22
